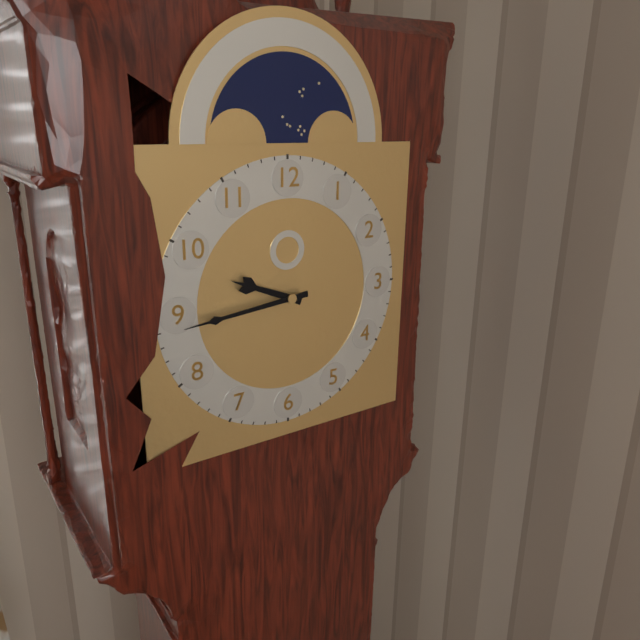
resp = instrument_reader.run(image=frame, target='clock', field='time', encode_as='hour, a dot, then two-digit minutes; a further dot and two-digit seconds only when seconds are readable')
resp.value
9.44
